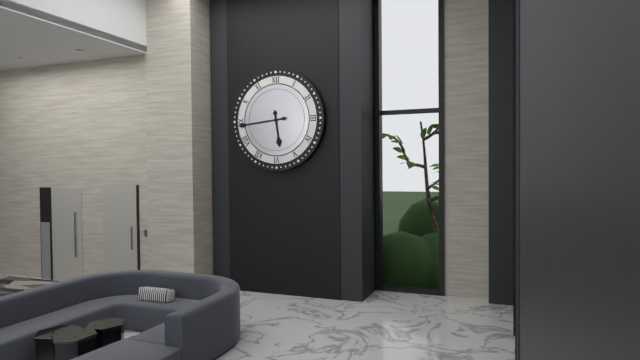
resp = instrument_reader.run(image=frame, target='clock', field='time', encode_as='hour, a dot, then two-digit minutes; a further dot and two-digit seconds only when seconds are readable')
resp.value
5.44
